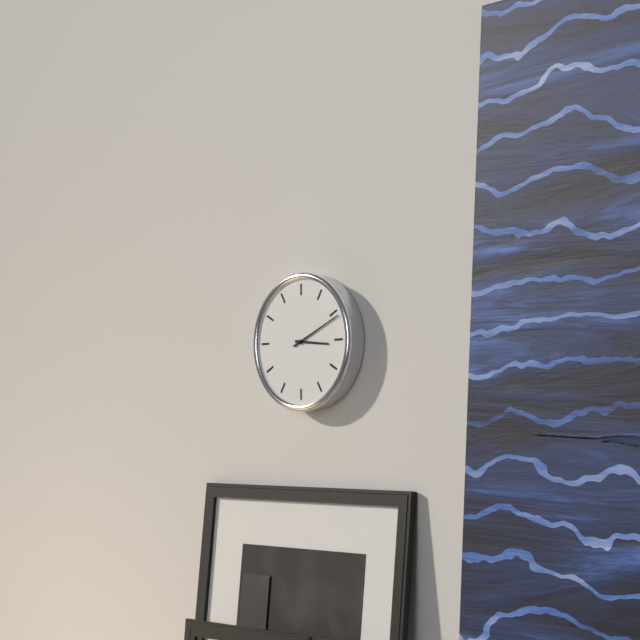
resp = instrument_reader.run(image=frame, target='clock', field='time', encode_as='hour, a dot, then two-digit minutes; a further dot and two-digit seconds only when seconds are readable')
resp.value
3.11
